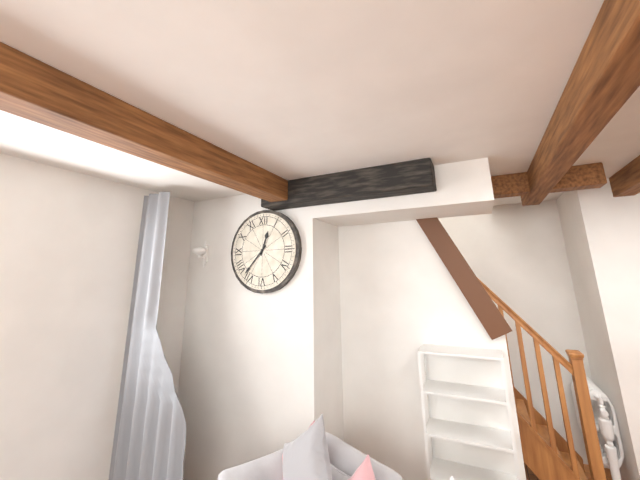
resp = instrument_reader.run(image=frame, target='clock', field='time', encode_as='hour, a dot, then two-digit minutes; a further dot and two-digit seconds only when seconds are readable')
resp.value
12.37
